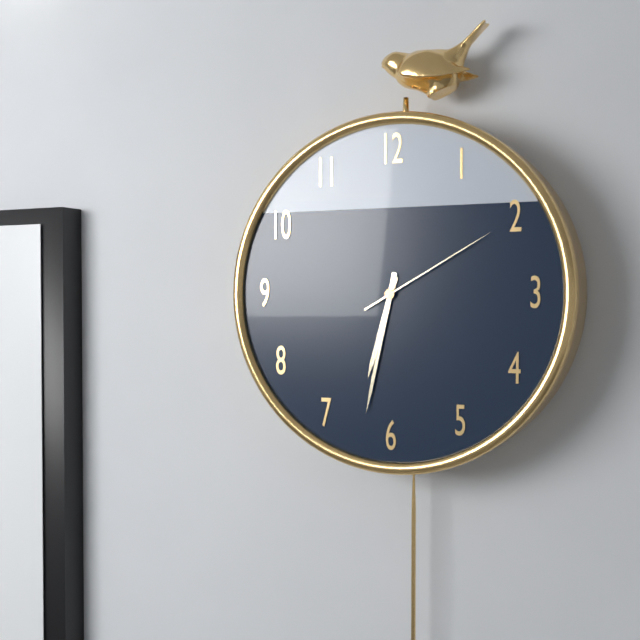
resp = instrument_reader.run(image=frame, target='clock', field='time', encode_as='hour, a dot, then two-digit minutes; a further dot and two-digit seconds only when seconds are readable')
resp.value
6.32.10
